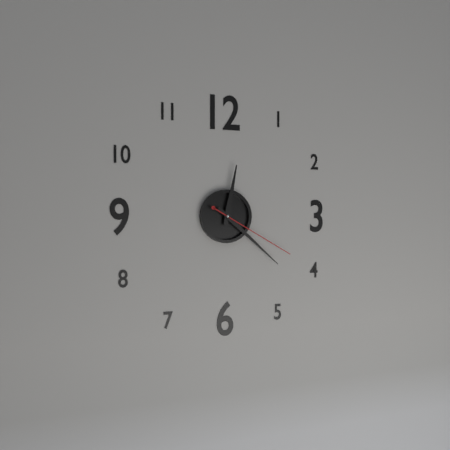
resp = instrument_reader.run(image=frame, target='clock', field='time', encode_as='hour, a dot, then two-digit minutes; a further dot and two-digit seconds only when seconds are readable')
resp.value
12.22.20
